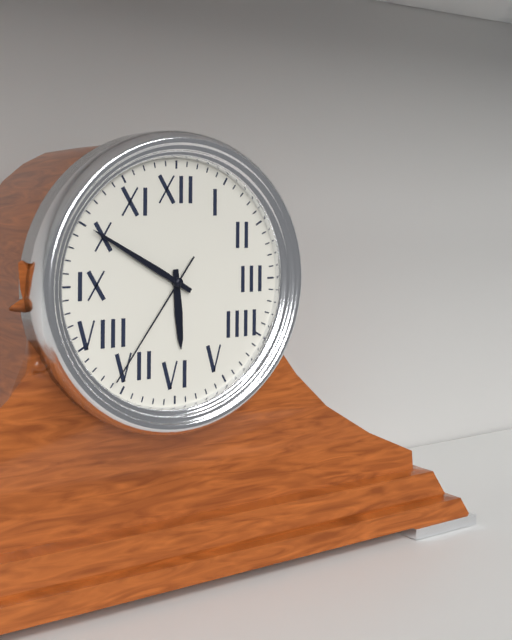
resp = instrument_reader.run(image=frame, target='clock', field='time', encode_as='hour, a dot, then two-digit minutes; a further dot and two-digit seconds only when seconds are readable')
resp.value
5.50.36
